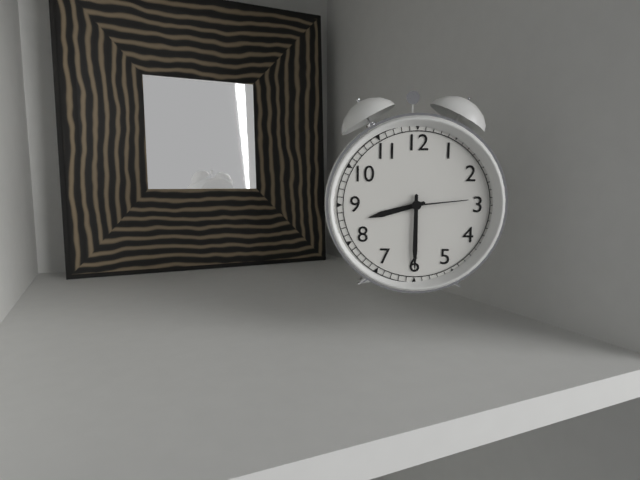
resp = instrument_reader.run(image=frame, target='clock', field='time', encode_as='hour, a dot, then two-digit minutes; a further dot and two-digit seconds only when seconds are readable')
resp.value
8.30.14
